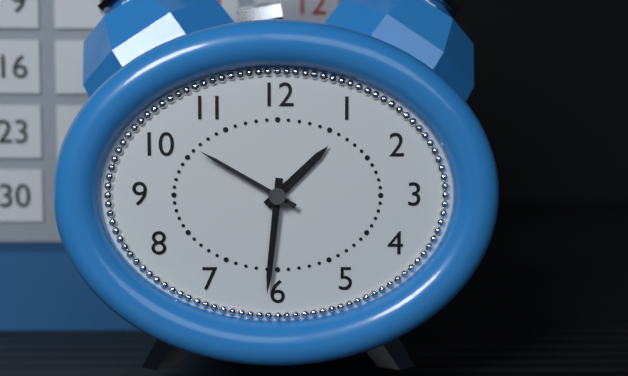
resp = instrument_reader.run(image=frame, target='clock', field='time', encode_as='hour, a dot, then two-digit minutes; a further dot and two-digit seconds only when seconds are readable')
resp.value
1.31.50
